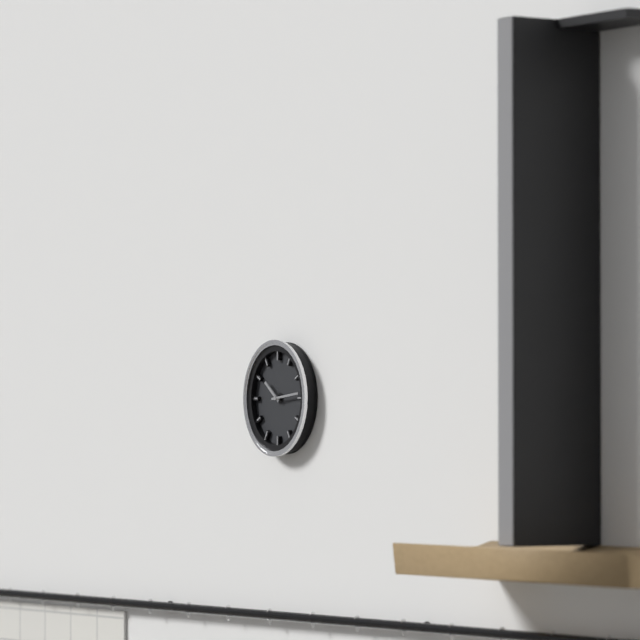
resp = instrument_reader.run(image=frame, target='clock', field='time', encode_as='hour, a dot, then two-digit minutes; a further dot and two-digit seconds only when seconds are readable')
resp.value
10.14
